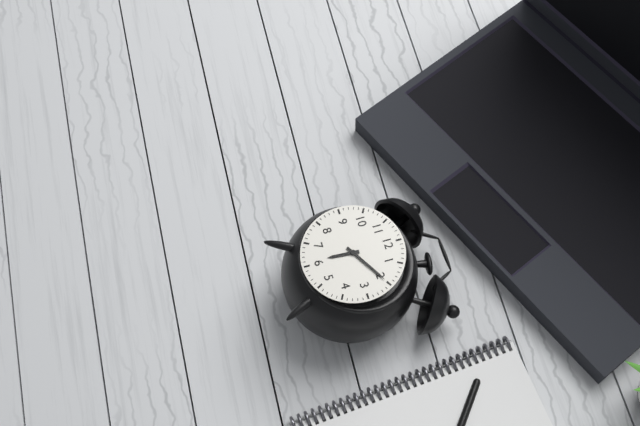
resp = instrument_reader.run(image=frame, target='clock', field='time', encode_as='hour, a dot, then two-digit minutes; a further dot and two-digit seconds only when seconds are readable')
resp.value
6.10
